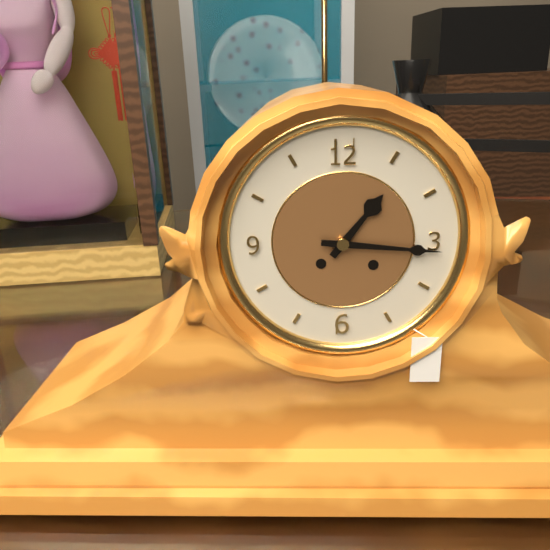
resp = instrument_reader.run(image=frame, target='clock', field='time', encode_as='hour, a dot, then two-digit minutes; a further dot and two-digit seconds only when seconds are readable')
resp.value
1.16
